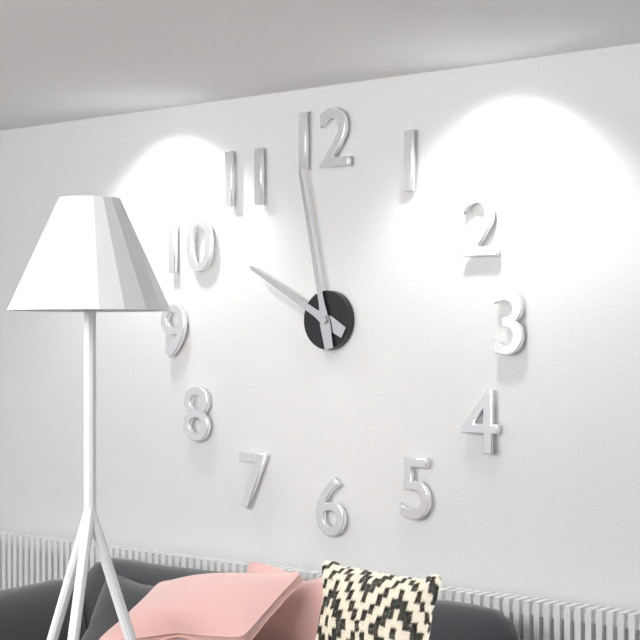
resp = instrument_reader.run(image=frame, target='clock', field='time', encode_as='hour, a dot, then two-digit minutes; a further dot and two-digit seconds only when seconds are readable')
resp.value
9.58
